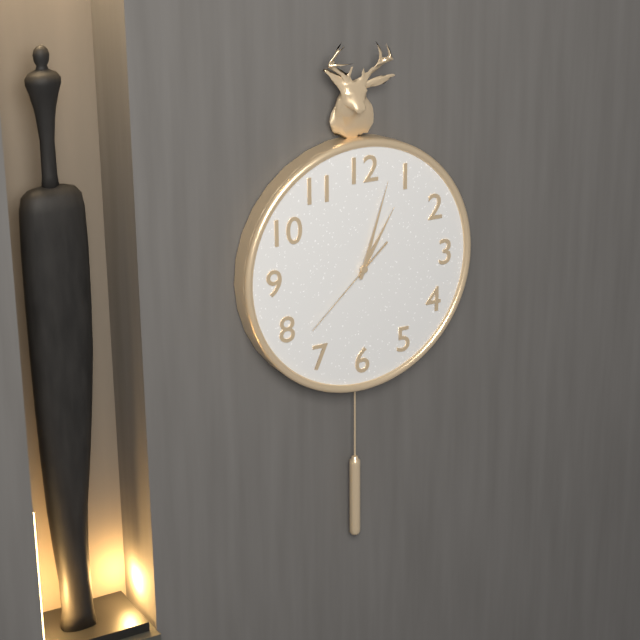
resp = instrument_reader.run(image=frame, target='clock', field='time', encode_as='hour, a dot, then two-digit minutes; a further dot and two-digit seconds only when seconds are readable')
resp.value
1.03.38
